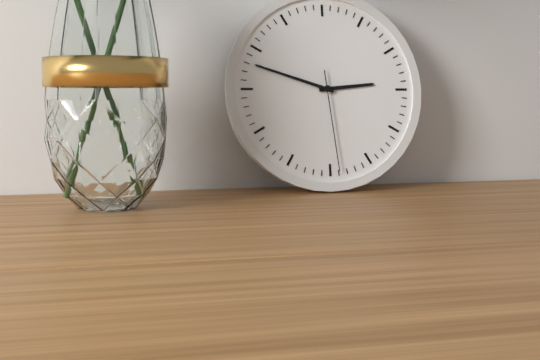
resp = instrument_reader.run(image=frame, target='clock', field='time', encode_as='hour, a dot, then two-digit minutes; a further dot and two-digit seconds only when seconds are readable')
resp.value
2.48.29
